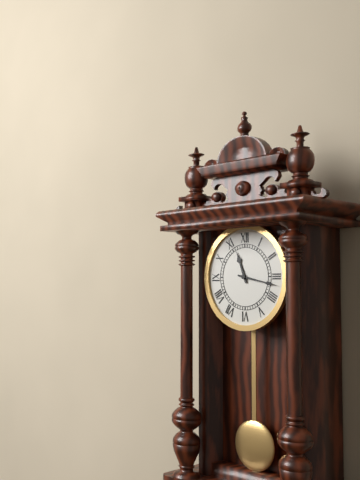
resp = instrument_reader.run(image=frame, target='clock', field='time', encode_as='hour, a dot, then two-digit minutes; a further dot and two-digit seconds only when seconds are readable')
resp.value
11.17
